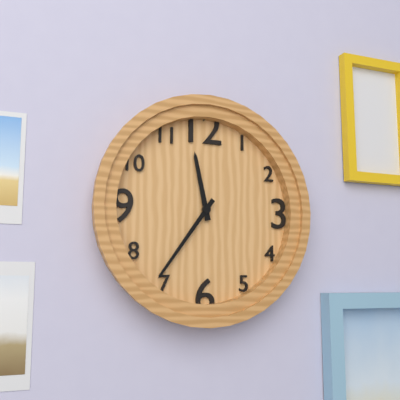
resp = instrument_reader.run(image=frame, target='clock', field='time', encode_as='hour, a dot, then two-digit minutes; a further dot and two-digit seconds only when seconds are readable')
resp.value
11.36
